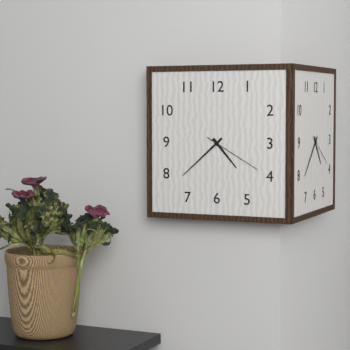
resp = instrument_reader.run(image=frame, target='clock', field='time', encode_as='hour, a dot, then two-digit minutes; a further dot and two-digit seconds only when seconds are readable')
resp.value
4.38.20
